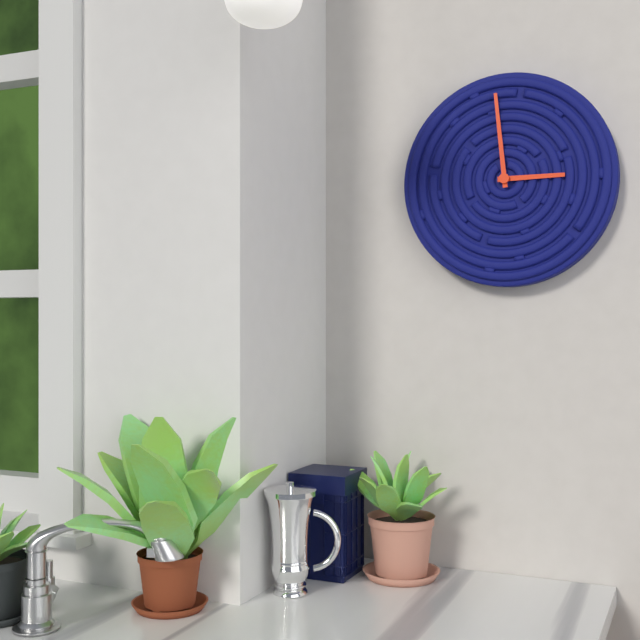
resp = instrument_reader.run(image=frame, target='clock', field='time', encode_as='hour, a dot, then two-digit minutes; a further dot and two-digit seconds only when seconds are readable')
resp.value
2.59
